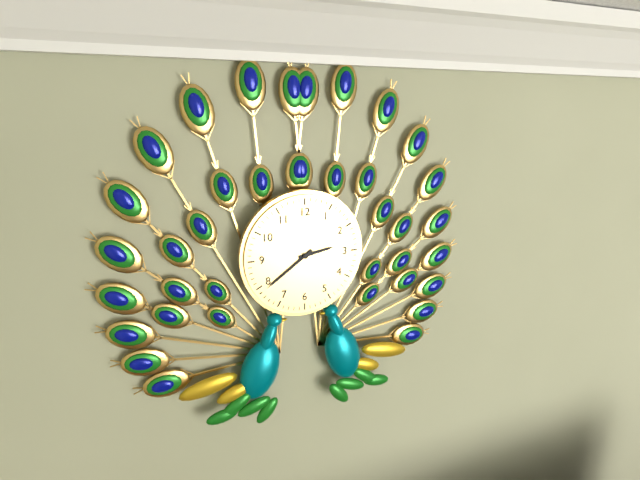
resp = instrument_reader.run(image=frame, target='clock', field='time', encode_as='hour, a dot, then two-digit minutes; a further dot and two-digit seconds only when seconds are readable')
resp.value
2.39
